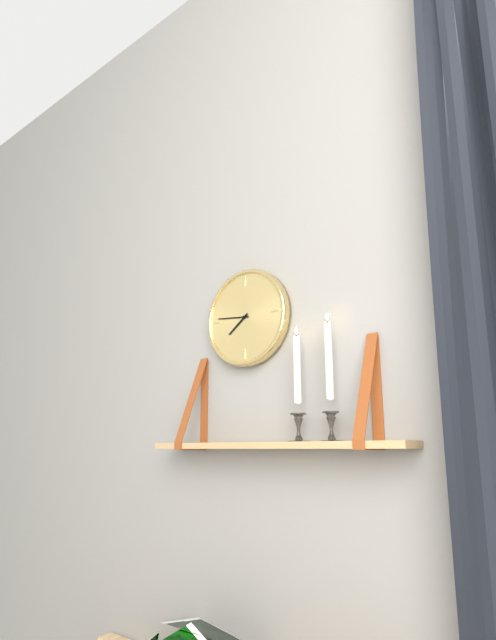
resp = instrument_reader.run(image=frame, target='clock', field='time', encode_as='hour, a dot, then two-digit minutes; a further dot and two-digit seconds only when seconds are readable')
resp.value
7.46
